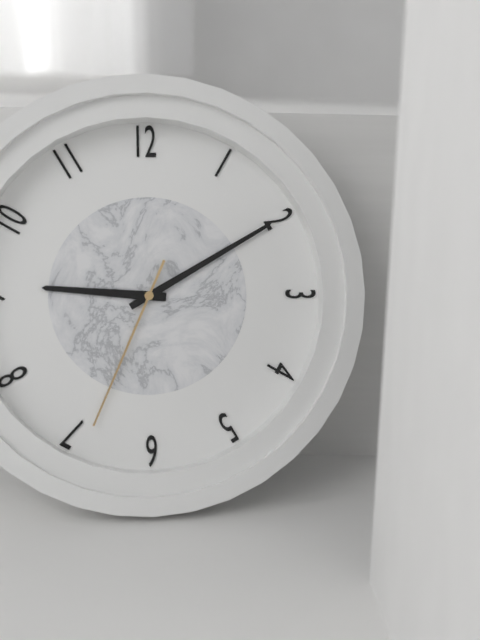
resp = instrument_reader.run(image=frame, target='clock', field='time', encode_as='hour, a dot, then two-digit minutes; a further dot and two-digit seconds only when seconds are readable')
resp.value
9.10.34
